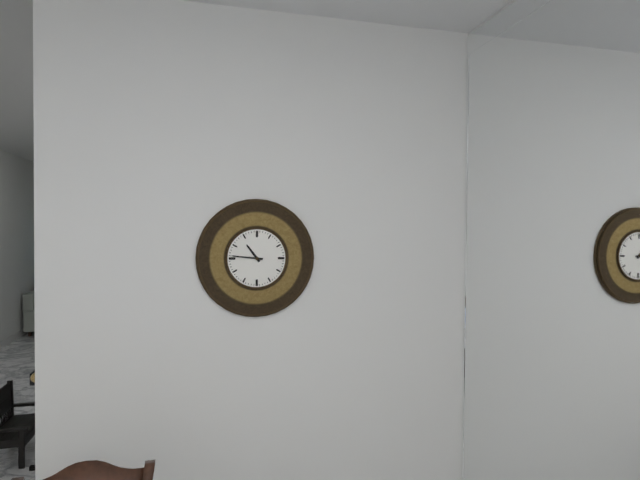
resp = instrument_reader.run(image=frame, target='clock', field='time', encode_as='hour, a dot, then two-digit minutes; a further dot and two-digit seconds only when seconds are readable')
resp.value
10.46
